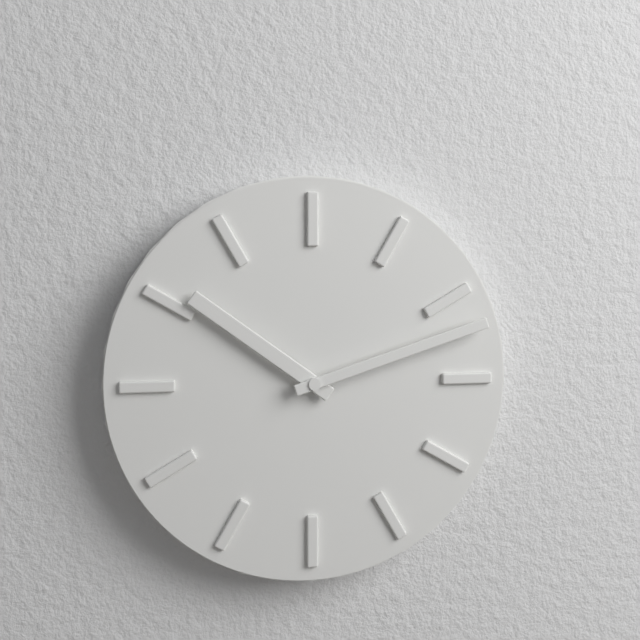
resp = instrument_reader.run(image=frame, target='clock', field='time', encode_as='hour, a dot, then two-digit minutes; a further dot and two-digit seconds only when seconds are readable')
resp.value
10.12
